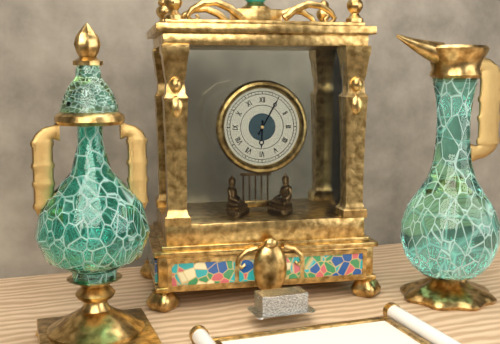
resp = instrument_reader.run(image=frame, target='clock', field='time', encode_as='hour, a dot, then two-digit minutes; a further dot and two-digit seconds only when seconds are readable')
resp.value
6.05
